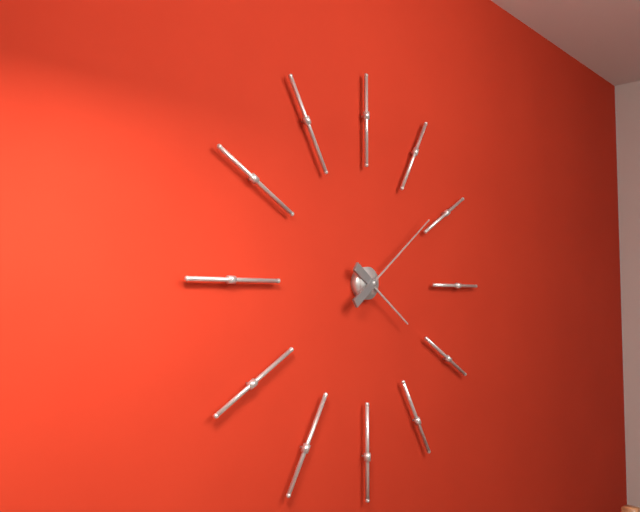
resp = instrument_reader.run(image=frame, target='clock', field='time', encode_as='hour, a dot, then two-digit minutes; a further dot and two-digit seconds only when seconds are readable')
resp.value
4.09
